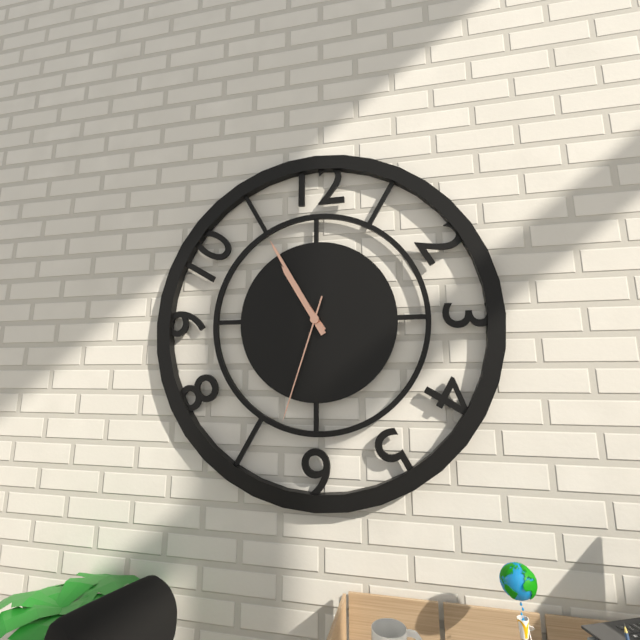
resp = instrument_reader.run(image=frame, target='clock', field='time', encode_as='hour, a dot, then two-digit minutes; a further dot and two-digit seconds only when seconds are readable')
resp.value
10.55.33
